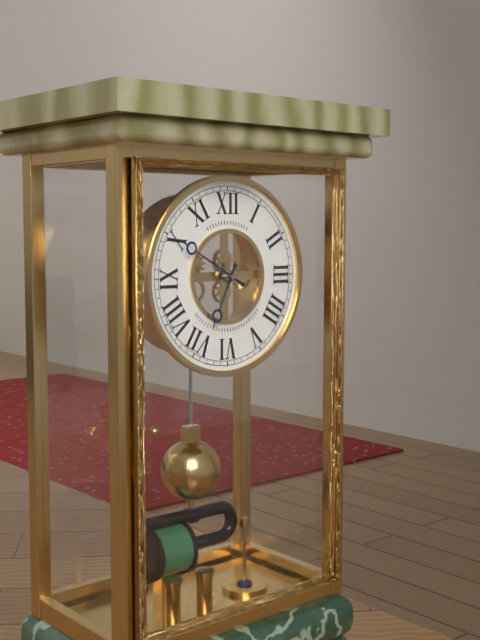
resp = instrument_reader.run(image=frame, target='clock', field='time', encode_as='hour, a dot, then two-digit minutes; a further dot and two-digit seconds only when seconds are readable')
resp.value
6.50
